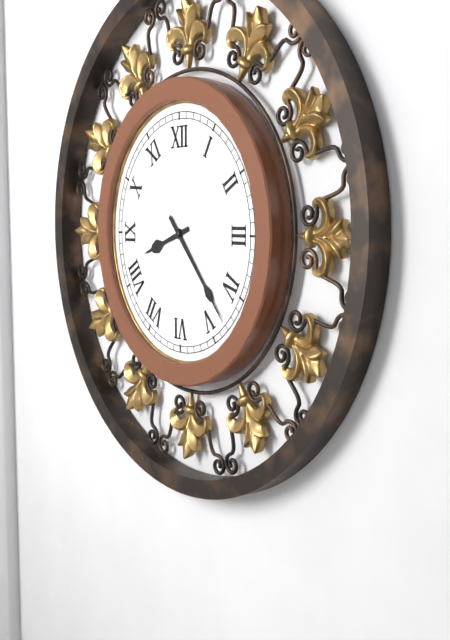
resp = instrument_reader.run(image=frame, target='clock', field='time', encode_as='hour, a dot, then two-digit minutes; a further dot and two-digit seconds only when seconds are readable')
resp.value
8.23
